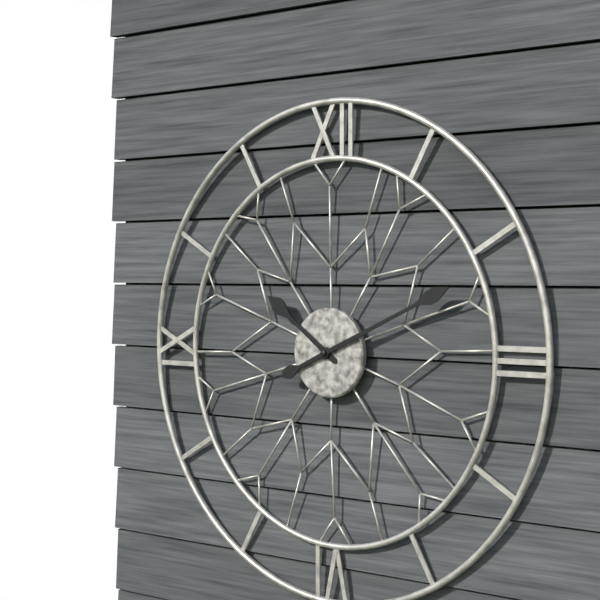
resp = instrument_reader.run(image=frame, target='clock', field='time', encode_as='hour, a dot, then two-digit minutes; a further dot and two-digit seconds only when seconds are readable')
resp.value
10.11
